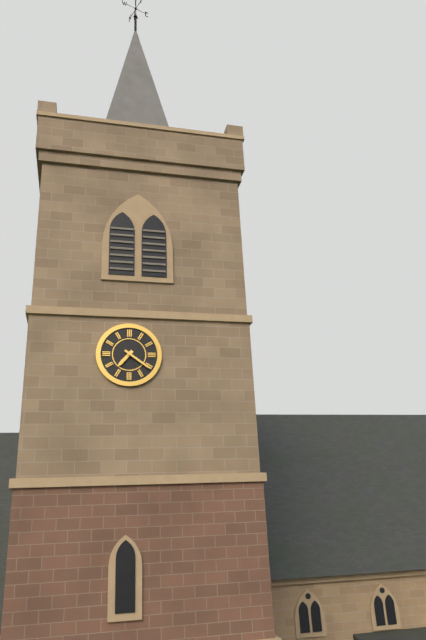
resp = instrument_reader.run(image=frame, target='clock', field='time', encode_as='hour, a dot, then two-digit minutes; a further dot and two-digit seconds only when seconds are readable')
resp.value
7.21
